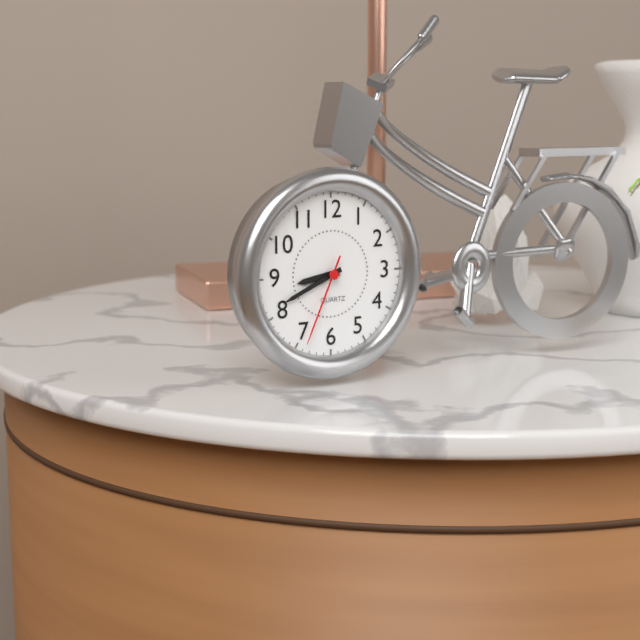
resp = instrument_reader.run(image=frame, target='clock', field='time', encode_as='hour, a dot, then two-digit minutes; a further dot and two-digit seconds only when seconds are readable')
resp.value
8.41.34
